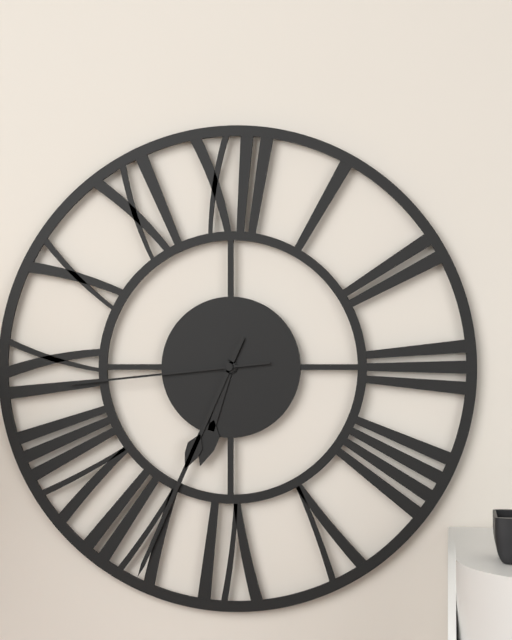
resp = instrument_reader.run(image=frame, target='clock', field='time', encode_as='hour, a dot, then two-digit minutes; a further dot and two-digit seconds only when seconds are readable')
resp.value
6.34.44
